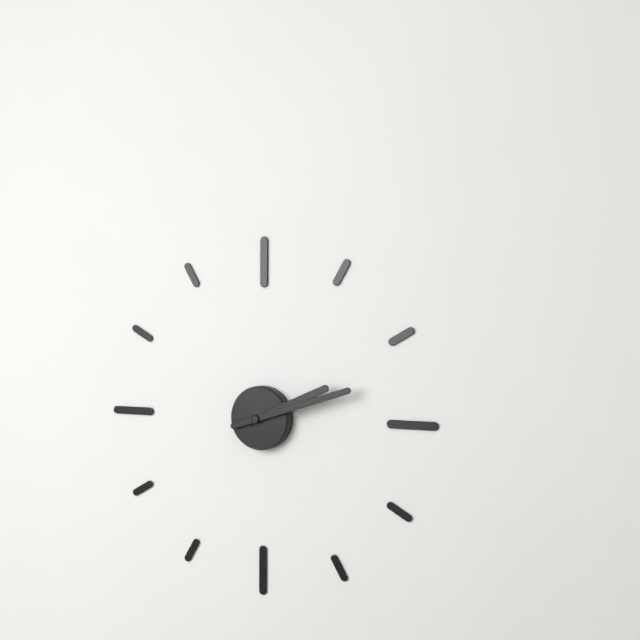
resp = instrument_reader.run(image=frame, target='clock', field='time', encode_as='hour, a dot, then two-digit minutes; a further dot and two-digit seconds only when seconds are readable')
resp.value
2.12
